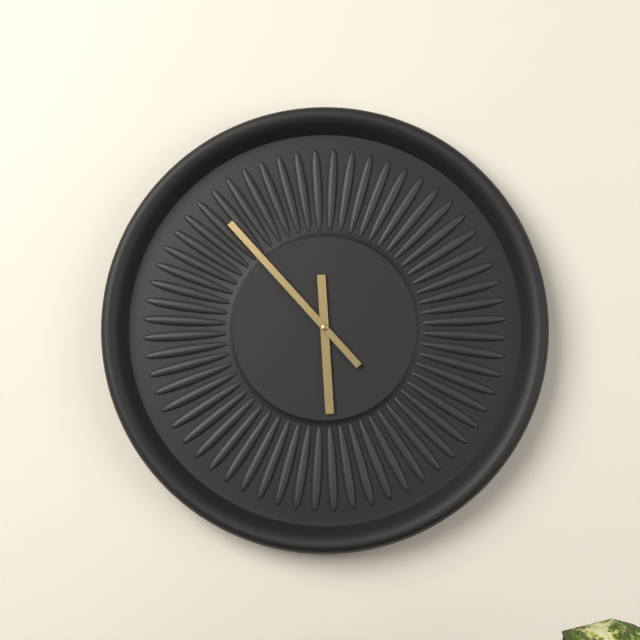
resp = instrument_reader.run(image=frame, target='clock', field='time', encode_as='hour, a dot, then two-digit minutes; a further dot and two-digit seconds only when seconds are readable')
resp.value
5.53
